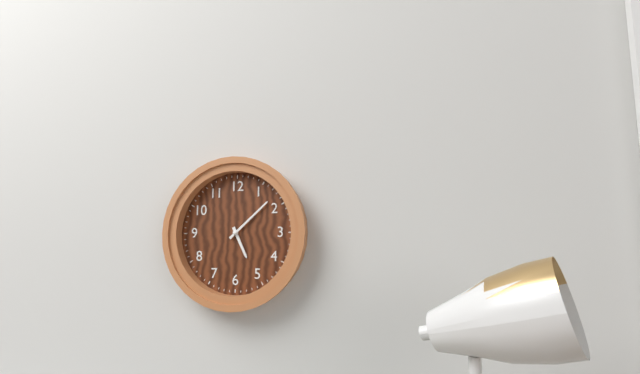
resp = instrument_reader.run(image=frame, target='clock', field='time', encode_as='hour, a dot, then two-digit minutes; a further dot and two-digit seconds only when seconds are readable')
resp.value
5.08
